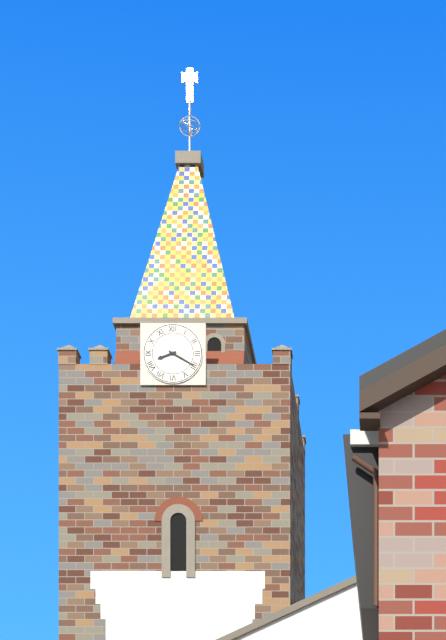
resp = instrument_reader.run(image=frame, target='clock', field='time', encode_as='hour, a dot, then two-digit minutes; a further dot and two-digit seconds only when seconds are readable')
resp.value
8.20
